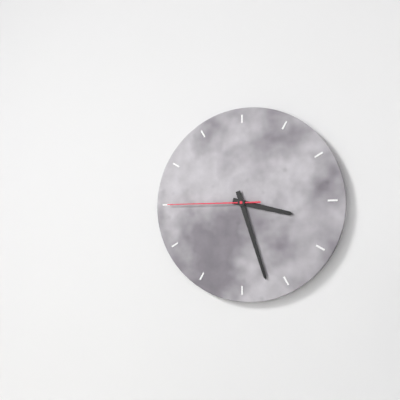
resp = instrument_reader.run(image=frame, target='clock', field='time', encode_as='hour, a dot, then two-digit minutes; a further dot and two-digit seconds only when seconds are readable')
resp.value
3.27.45
